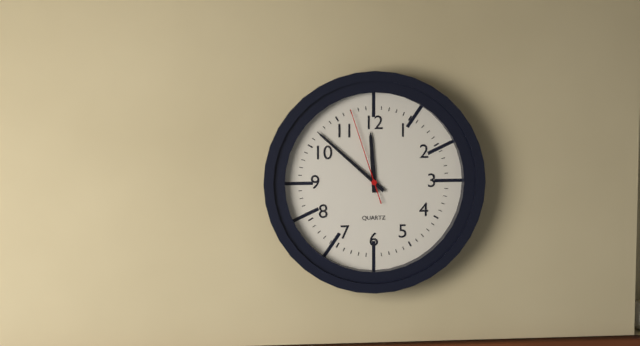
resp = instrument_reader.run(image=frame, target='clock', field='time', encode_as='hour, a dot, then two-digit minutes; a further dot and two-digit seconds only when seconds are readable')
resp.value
11.52.57
